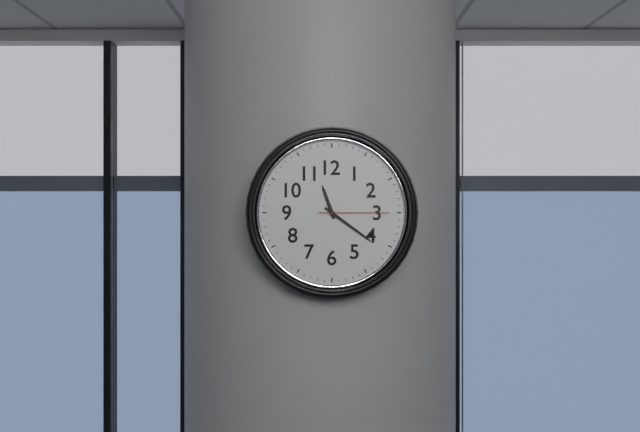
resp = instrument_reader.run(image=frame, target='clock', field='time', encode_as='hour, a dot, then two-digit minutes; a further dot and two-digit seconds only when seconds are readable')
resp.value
11.21.15
